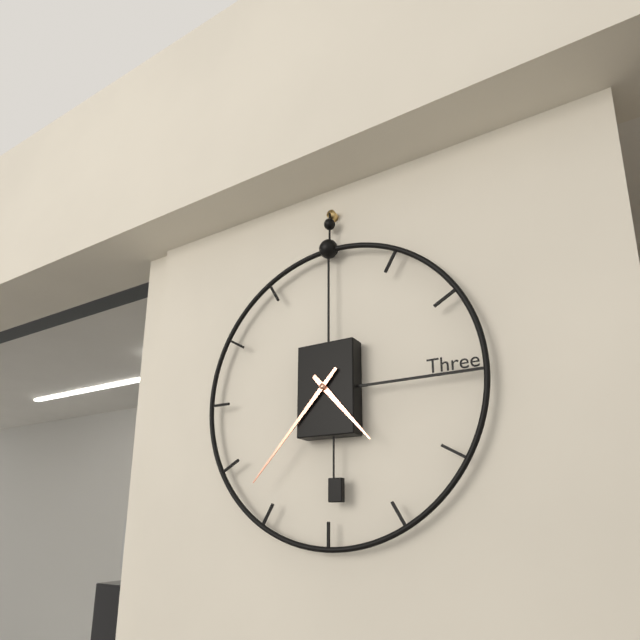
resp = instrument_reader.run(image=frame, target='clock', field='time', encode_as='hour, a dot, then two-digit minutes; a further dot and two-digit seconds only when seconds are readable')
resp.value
4.37
